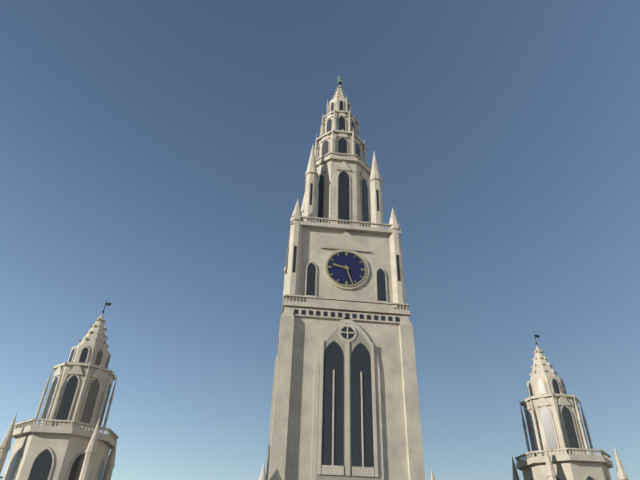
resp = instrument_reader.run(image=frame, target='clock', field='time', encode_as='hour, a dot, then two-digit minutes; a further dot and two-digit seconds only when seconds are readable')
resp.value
9.27
